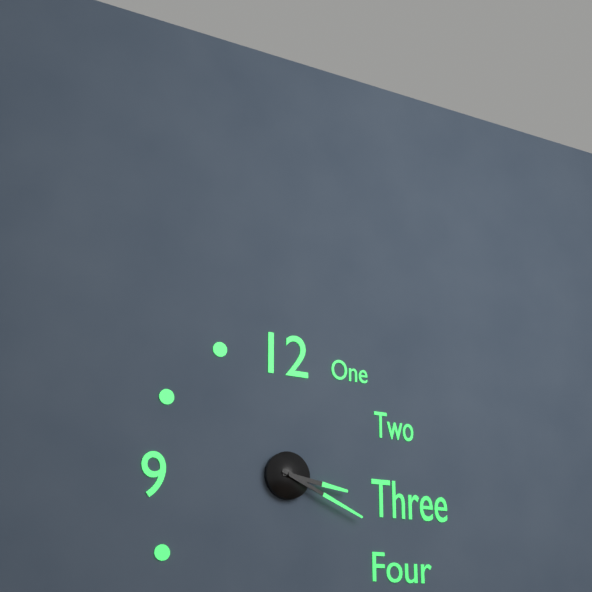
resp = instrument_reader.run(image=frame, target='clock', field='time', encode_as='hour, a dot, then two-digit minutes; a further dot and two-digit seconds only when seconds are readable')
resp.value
3.19
